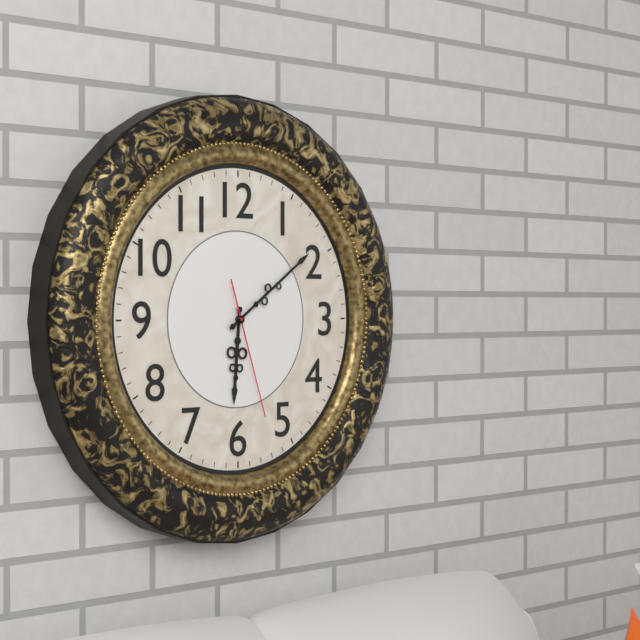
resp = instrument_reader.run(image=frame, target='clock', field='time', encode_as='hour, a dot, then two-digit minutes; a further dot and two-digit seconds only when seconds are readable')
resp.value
6.09.27
